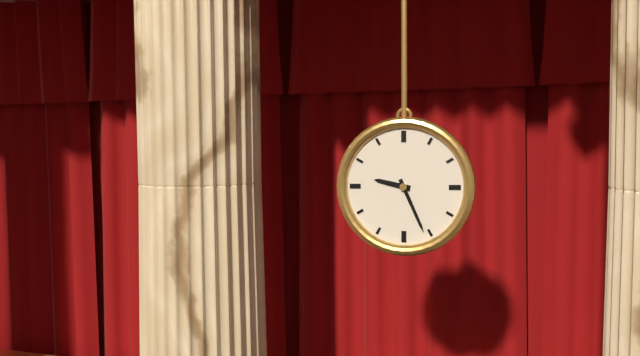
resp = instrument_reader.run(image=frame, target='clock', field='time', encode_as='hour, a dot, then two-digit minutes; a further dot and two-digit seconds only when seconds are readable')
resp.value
9.26
